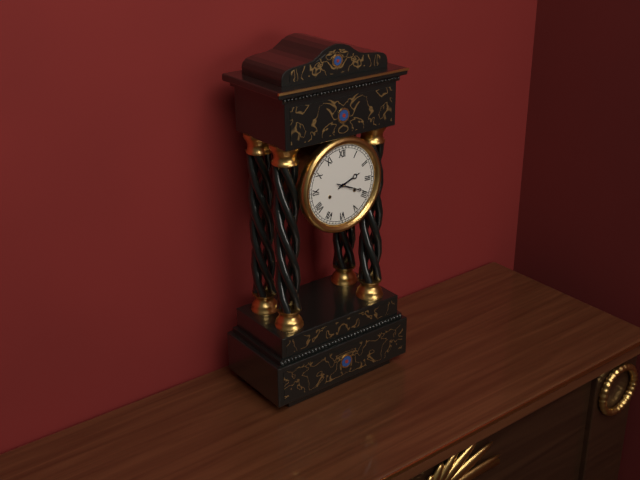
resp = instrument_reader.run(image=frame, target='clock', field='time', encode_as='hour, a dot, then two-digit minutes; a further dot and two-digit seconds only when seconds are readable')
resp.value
2.19
